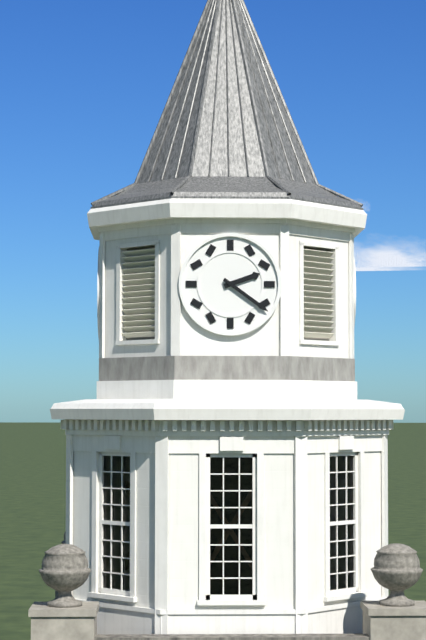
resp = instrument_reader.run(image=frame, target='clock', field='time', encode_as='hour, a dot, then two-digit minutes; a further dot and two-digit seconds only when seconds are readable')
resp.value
2.21
